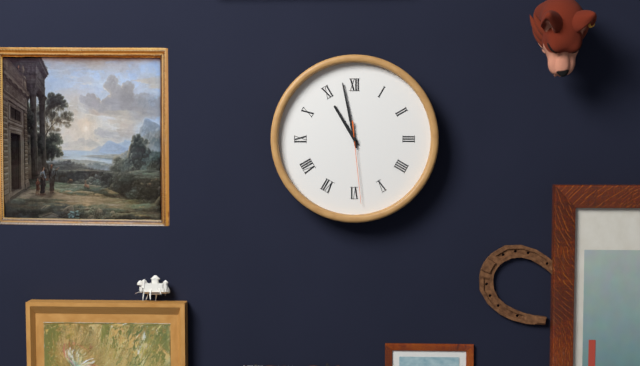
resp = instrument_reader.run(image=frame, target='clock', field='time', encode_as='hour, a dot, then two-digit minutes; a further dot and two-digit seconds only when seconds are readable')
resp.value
10.58.29
